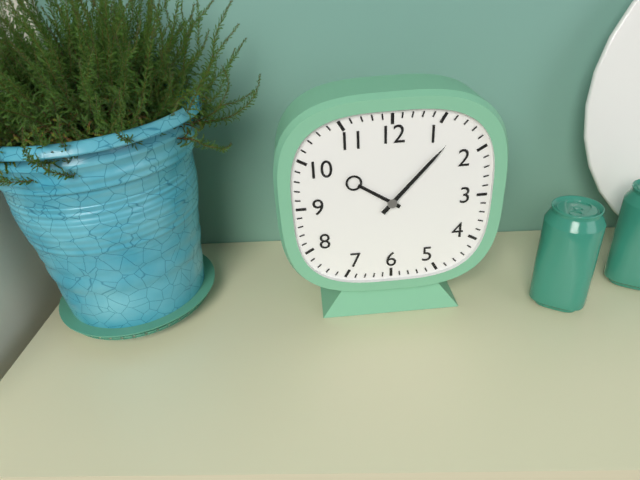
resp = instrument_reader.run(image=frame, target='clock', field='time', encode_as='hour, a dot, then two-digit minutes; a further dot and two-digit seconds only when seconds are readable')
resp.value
10.07
